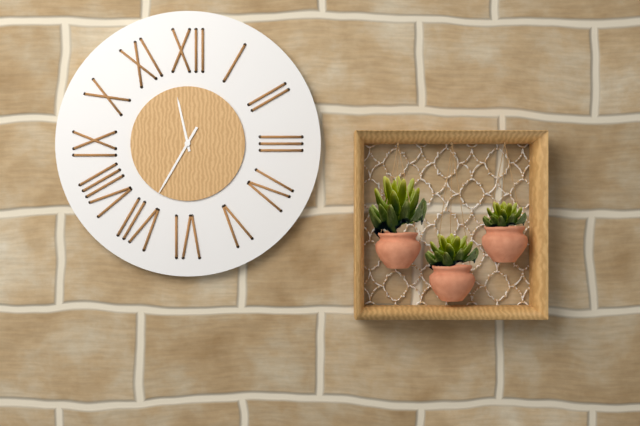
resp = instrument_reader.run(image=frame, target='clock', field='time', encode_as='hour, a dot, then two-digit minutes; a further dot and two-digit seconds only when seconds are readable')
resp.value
11.35
